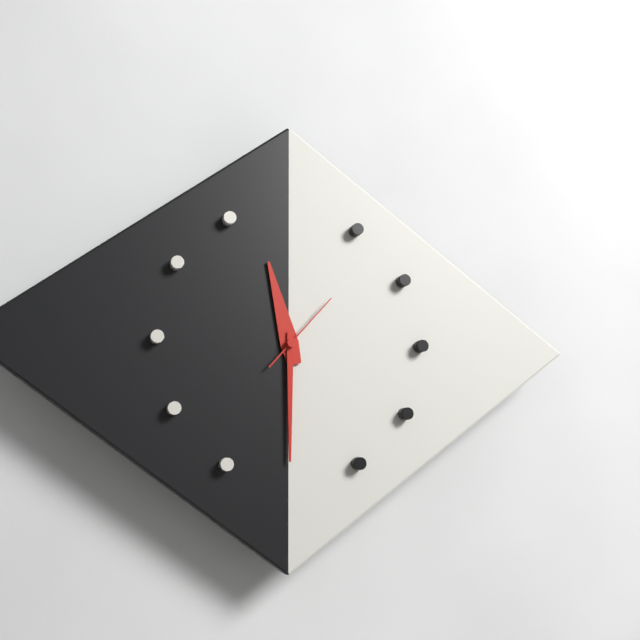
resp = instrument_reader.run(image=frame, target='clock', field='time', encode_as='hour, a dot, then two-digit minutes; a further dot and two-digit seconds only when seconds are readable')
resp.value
11.30.07
